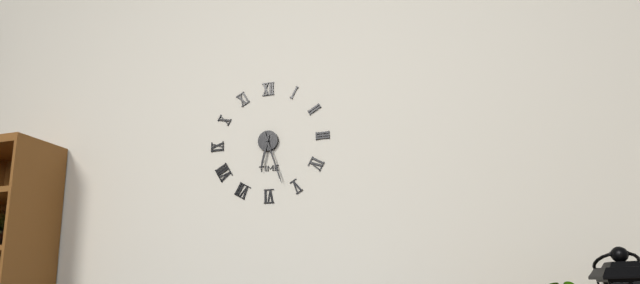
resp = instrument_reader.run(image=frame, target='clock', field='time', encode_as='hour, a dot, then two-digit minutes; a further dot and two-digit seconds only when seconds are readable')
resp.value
6.27
